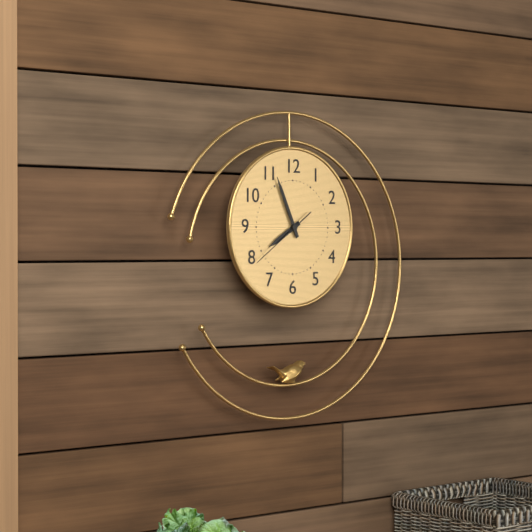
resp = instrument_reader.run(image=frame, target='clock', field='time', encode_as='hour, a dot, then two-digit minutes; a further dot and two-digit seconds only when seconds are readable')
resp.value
7.56.39
